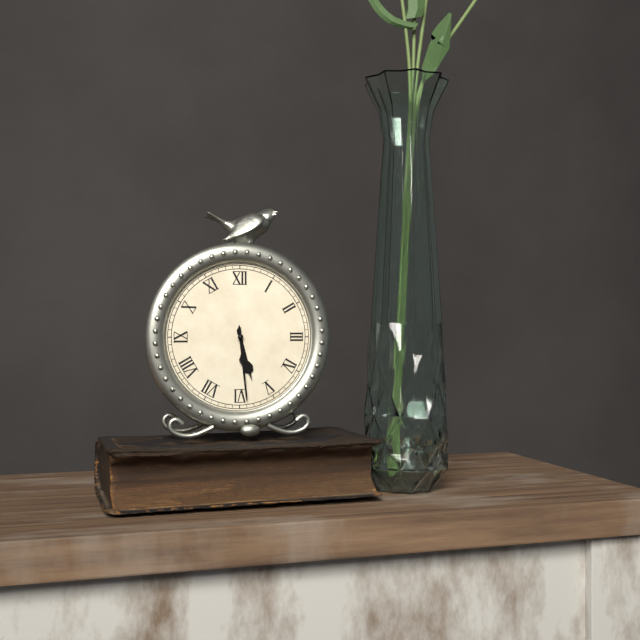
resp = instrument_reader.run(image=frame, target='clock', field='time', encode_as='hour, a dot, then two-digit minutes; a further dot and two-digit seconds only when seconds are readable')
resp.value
5.29
